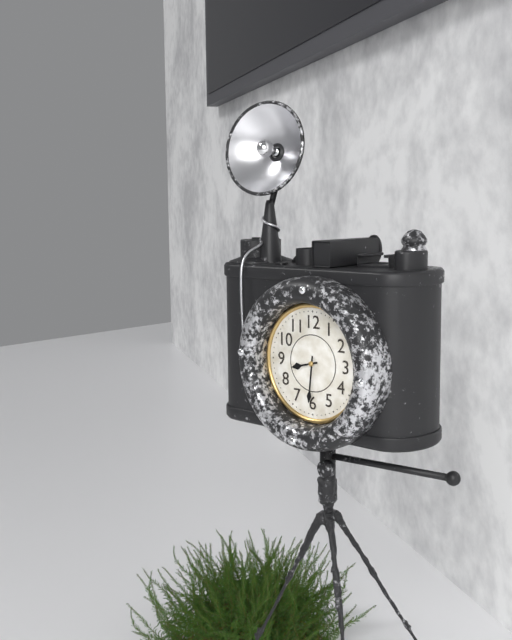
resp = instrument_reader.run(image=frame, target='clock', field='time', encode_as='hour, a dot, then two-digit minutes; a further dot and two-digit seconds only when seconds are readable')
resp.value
8.31
